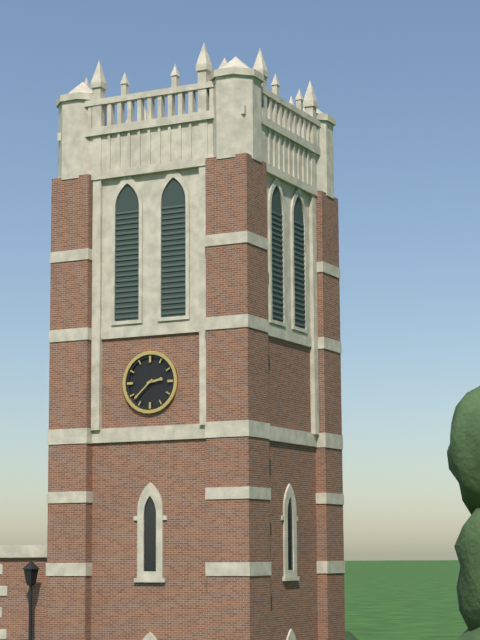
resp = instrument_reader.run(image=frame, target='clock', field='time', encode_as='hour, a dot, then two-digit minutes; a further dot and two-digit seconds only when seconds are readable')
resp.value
2.38
